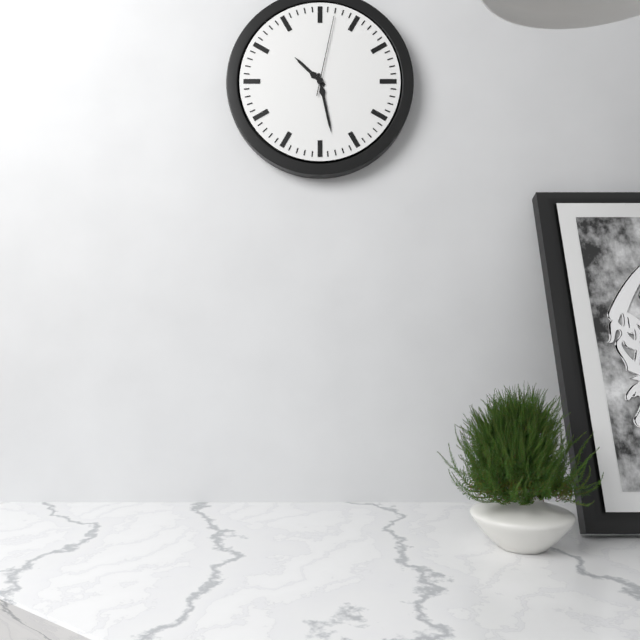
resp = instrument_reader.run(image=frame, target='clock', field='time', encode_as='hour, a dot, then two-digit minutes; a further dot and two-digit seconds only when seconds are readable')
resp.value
10.28.02
